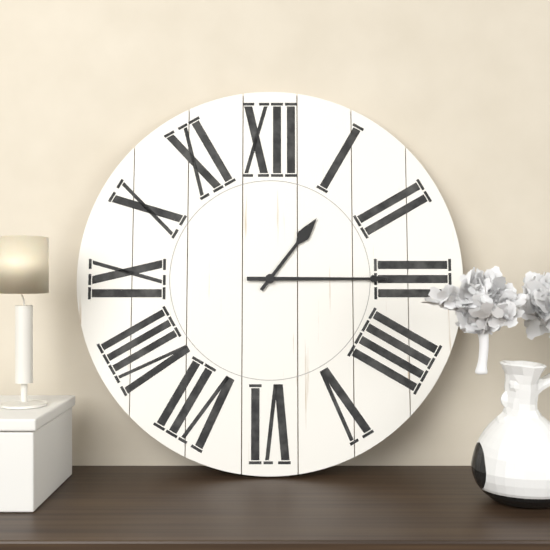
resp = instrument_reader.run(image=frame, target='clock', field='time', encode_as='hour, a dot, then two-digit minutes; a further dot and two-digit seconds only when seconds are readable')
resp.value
1.15
